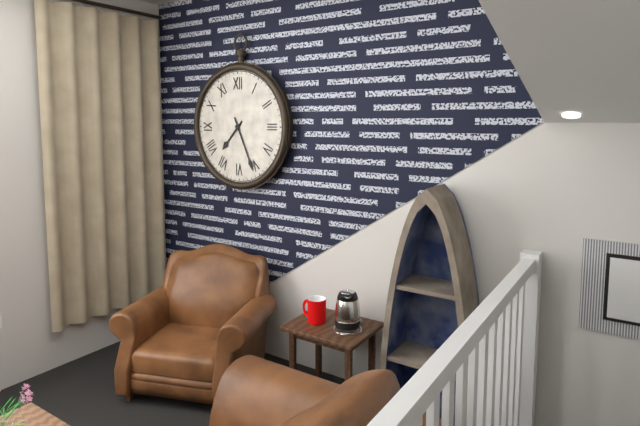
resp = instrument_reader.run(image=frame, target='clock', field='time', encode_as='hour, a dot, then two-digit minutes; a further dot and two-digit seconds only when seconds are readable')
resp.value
7.26
